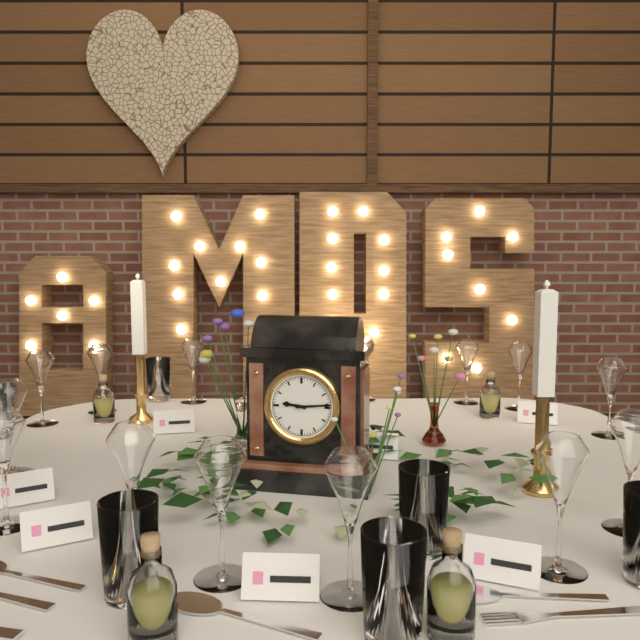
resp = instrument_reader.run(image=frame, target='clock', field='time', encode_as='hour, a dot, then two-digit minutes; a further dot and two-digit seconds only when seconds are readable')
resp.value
9.14
